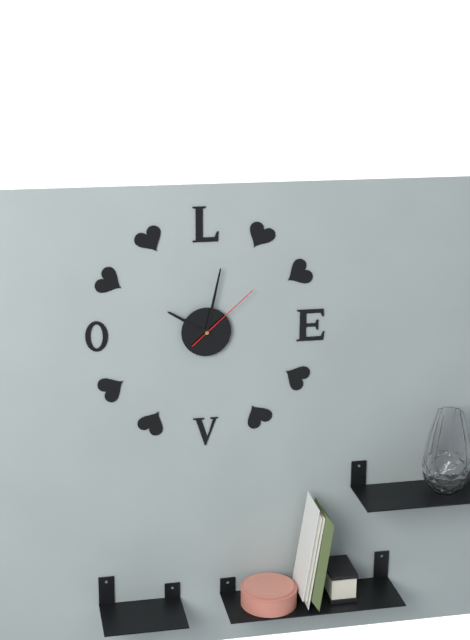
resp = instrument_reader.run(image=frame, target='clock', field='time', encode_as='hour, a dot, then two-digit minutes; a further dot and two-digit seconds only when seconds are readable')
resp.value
10.02.08
